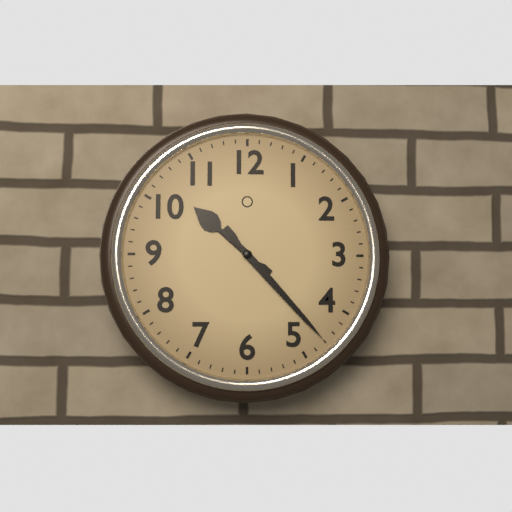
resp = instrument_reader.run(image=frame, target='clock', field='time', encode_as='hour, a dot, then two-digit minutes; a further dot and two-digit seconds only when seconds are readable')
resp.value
10.23
